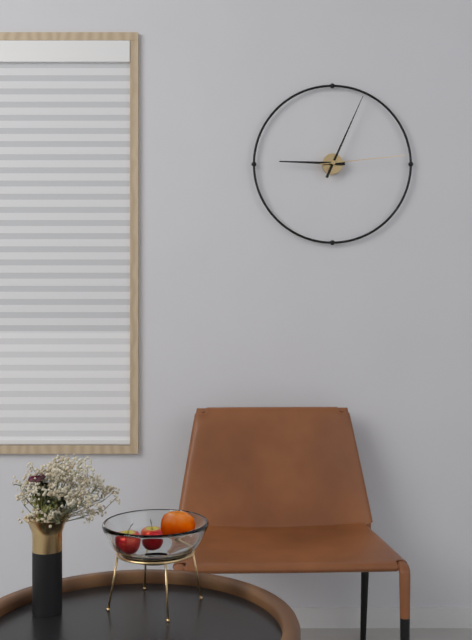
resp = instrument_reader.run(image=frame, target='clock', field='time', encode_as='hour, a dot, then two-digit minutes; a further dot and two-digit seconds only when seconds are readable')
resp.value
9.04.14
